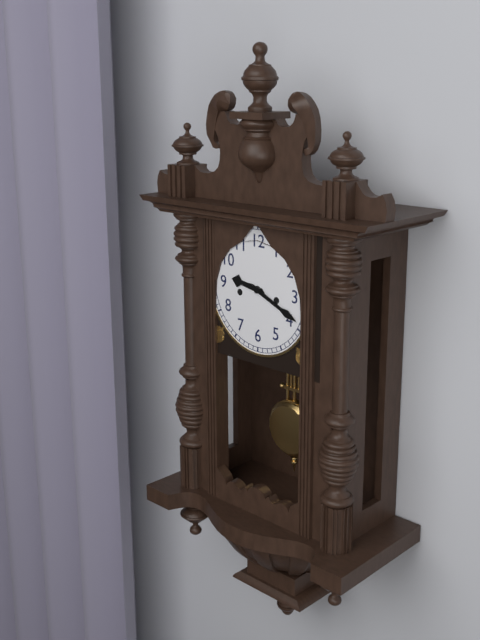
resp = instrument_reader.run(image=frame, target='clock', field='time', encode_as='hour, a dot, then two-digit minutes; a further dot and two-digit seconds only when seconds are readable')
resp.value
9.19
